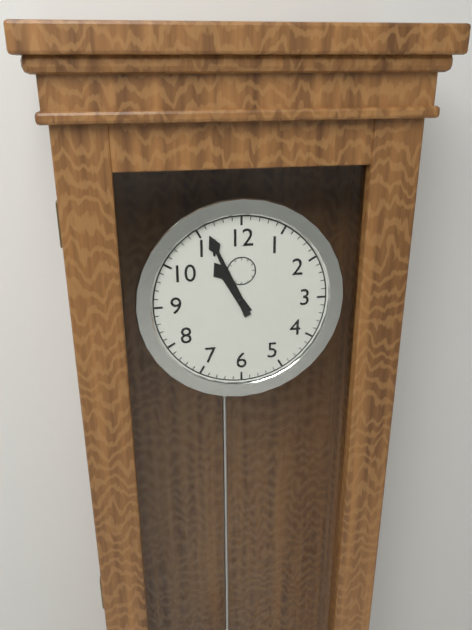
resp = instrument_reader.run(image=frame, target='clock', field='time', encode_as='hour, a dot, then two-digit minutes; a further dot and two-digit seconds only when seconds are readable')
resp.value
10.56
